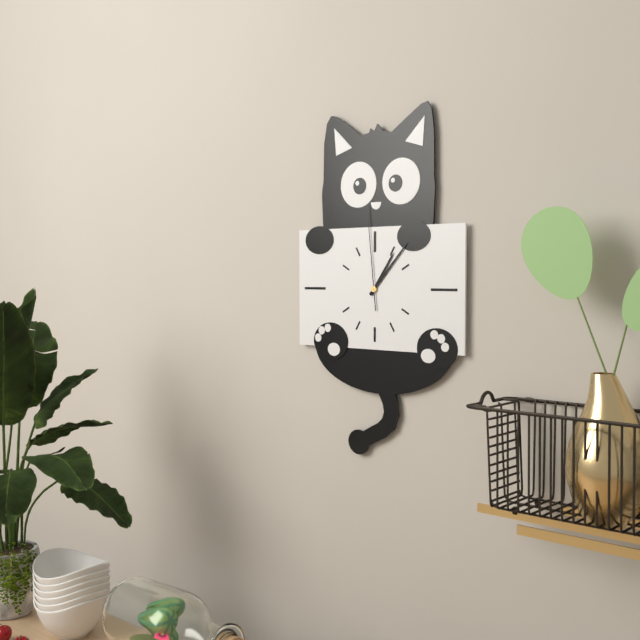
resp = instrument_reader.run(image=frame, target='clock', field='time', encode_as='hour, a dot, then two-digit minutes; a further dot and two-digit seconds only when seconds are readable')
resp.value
1.07.59
